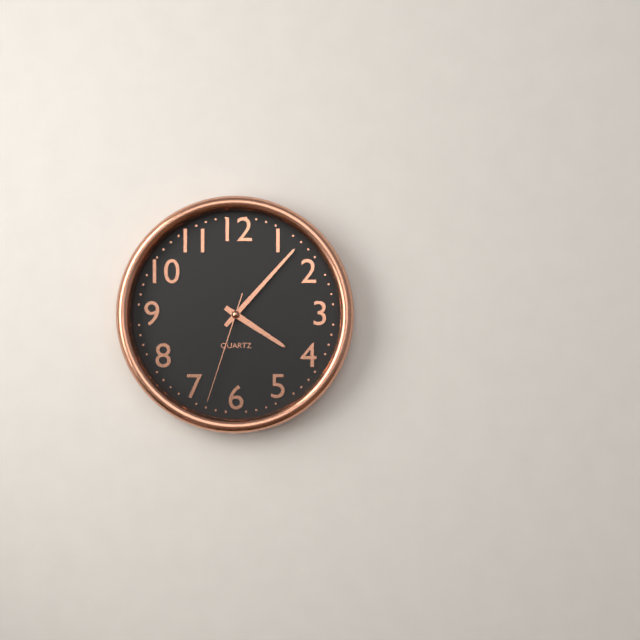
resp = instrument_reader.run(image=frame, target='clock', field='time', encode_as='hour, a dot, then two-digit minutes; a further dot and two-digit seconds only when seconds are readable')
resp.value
4.07.33
